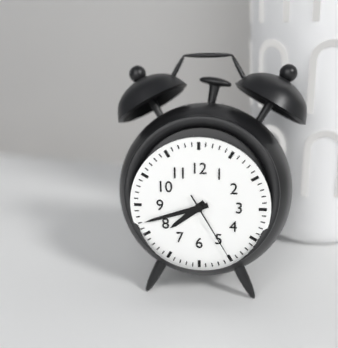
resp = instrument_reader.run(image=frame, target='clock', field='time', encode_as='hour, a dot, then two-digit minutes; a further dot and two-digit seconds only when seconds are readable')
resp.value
7.42.25
